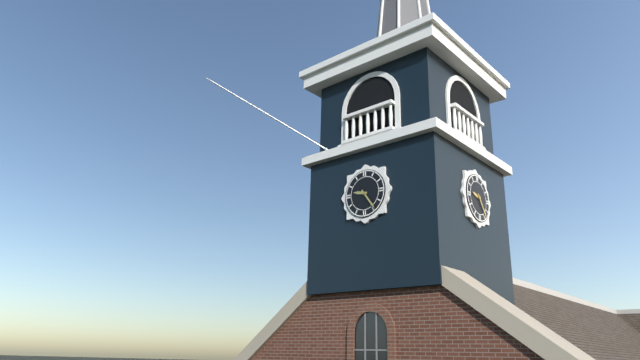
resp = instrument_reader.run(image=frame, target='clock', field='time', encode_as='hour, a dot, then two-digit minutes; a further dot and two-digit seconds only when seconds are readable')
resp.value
9.24
